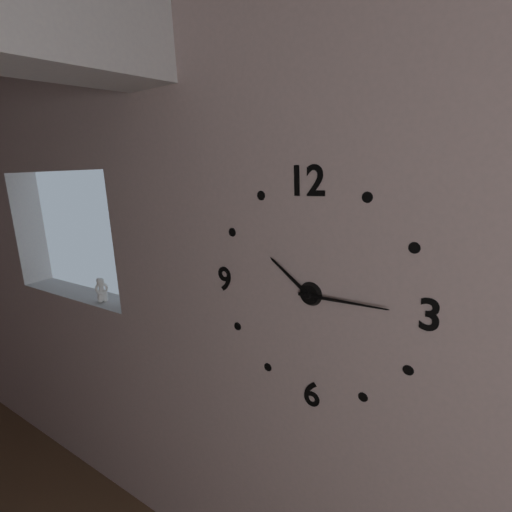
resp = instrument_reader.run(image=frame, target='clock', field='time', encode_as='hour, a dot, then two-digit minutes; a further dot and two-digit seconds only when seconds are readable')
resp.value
10.15
